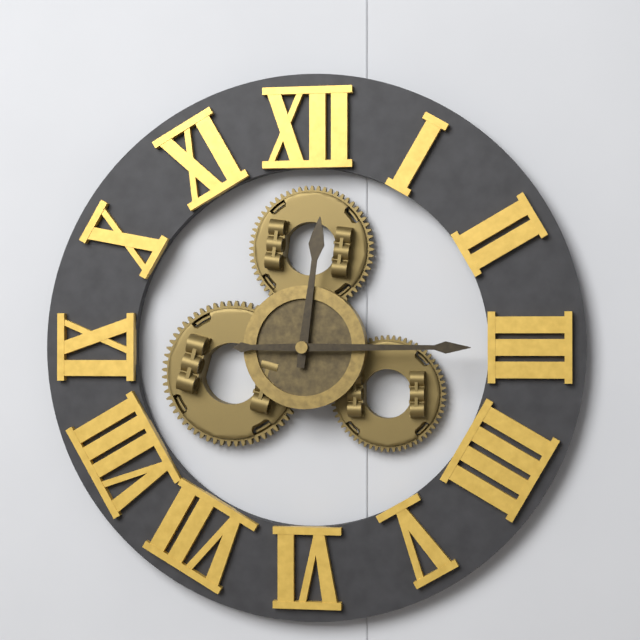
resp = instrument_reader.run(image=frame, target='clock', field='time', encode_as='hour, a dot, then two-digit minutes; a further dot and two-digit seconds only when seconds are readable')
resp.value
12.15
